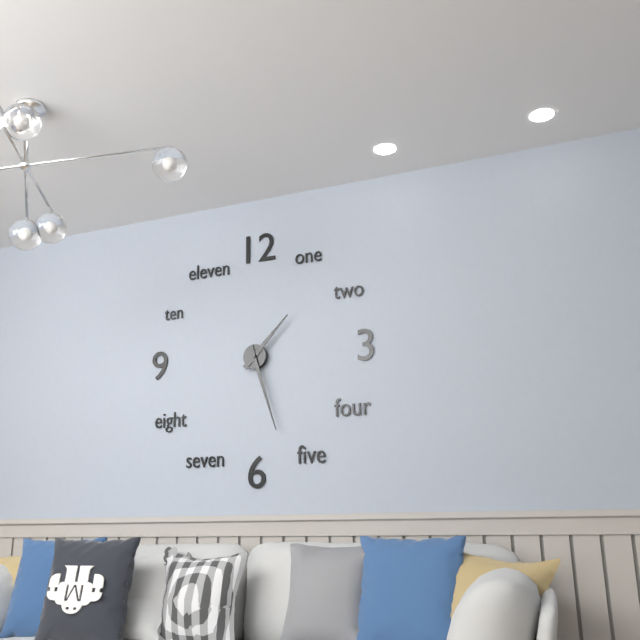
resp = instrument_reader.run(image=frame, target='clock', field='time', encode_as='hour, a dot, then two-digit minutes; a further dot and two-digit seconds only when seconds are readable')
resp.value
1.27
